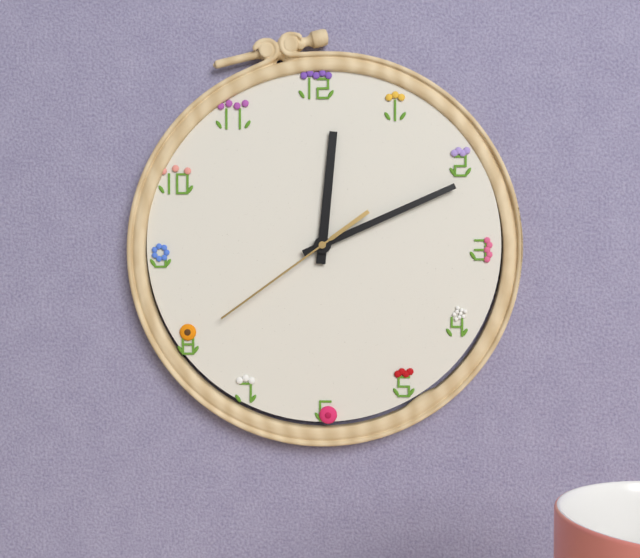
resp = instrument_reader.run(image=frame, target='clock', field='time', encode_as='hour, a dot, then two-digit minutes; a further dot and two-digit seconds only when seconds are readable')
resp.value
12.11.39
